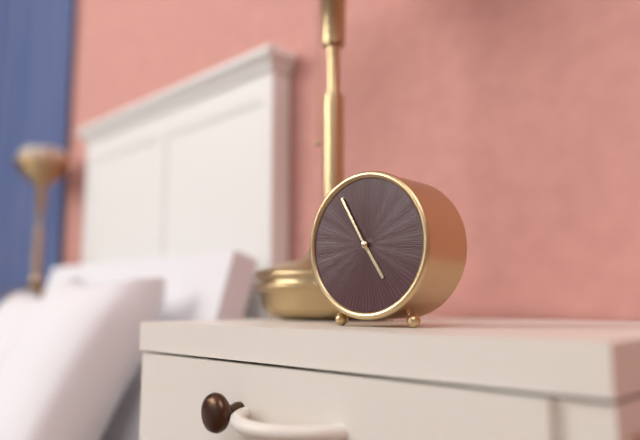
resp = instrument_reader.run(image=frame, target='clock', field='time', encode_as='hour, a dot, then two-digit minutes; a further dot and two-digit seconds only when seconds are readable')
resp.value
4.55
